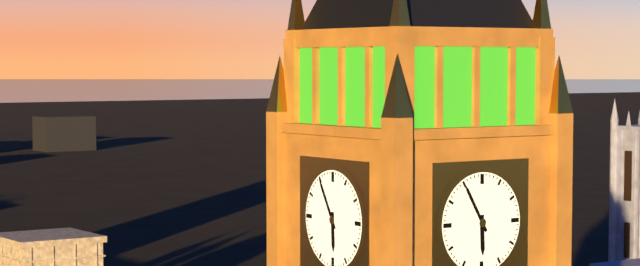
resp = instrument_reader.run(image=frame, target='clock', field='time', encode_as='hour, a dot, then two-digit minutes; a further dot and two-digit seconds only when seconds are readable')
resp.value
5.55
